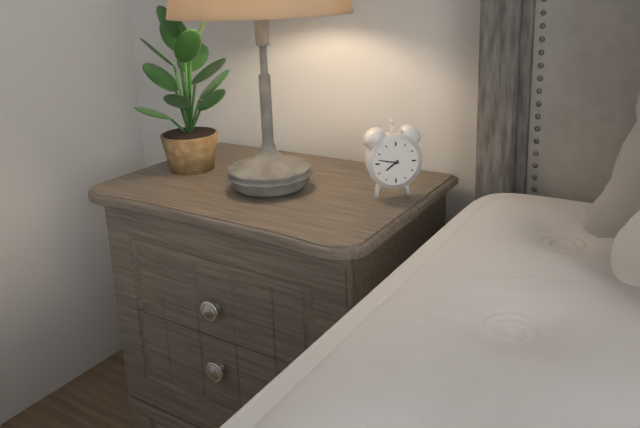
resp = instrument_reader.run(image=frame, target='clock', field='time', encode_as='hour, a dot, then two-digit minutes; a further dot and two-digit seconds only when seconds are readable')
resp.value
7.47
